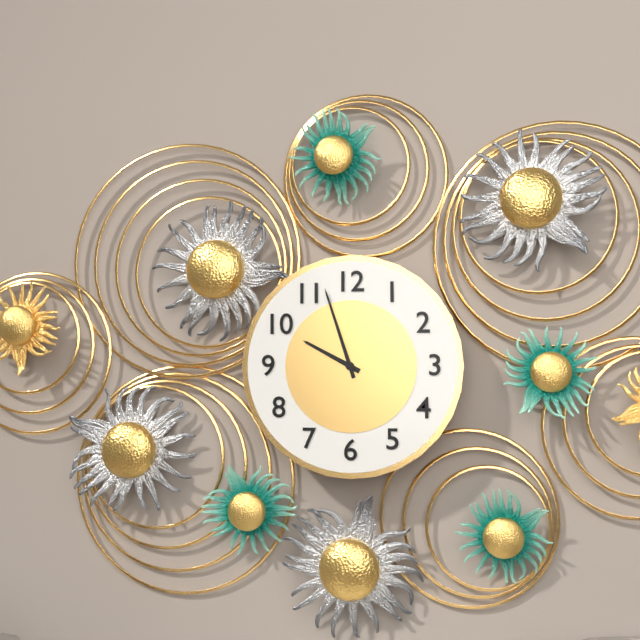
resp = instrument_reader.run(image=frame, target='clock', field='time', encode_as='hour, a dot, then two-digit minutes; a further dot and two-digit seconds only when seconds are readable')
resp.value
9.57
